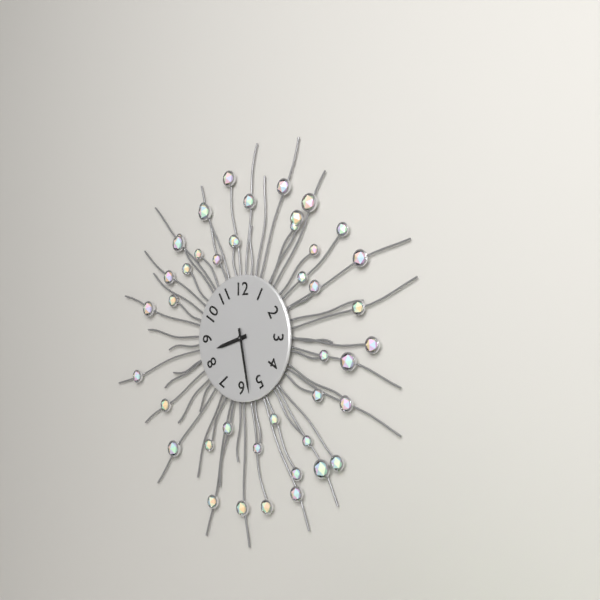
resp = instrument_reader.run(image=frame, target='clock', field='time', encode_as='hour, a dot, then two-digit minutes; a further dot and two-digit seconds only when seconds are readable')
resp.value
8.28
